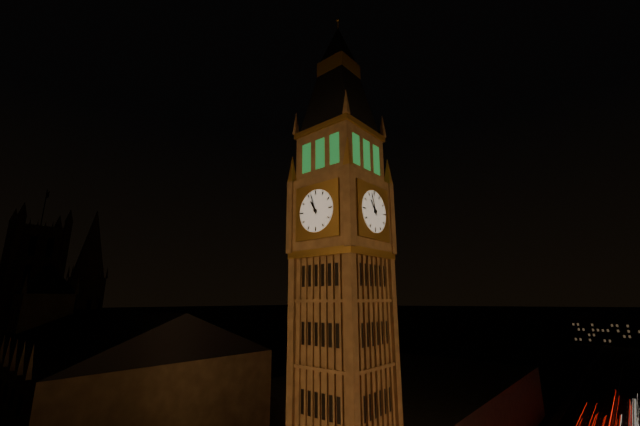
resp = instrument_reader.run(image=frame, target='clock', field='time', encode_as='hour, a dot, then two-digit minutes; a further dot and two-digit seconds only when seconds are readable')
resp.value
10.57
